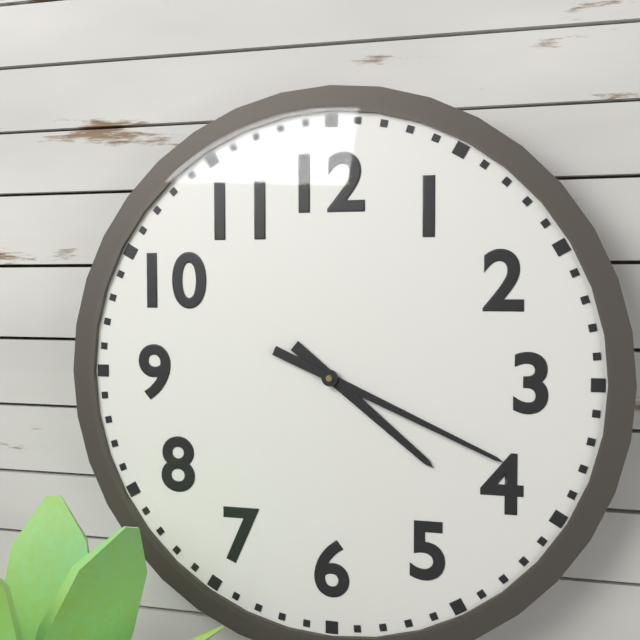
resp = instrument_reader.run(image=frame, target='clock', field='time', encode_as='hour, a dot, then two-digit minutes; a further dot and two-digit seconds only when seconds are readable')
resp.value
4.19
